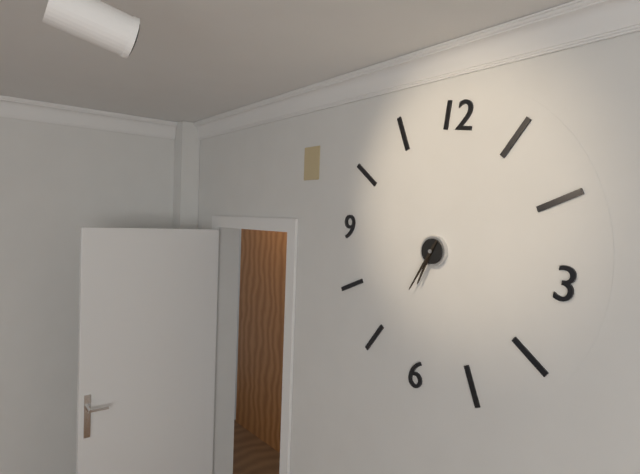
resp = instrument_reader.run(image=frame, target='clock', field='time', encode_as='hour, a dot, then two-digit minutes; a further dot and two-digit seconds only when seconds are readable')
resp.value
6.34
